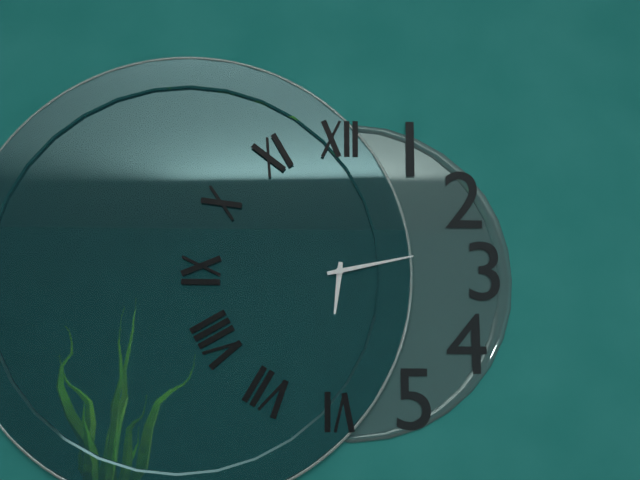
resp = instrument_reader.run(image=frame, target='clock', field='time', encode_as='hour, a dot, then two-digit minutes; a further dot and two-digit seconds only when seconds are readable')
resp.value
6.13
